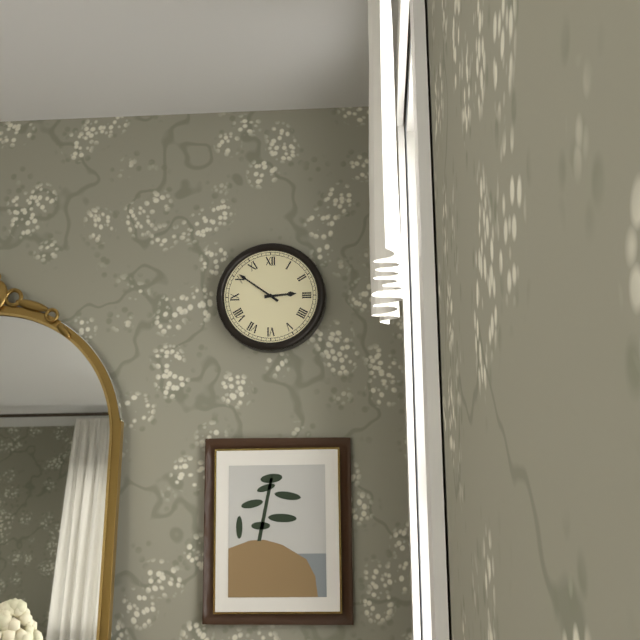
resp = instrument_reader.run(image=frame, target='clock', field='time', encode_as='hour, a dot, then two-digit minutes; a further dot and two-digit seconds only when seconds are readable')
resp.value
2.51
